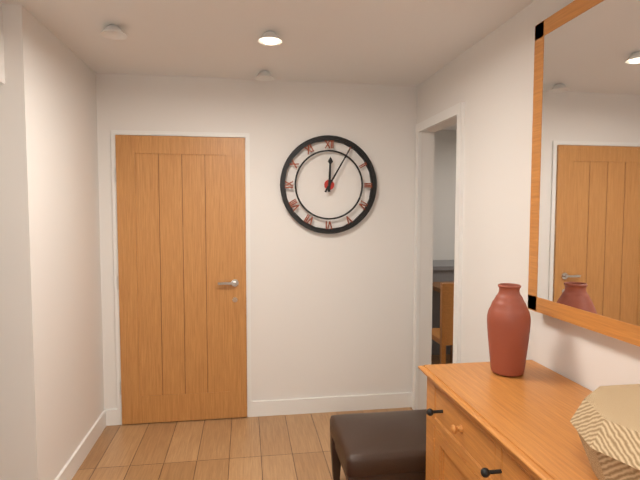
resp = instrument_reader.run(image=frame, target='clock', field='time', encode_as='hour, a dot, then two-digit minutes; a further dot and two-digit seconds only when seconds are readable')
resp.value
12.05
